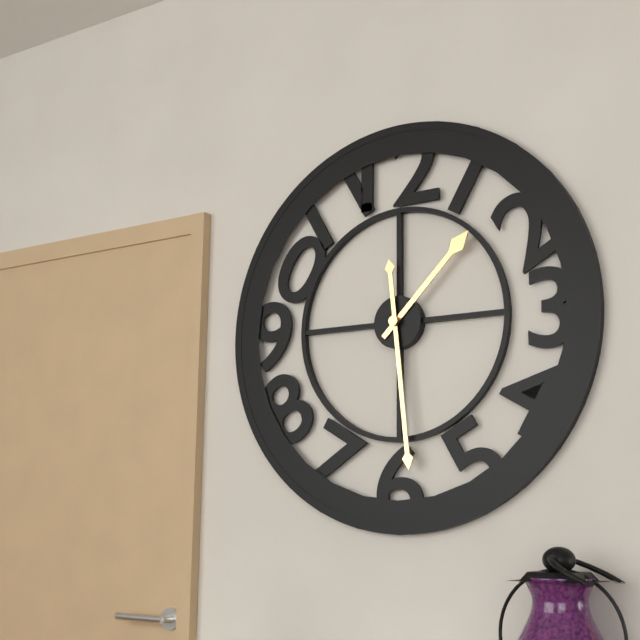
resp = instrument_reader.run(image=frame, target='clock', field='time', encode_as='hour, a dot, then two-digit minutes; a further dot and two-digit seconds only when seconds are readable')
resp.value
1.29
